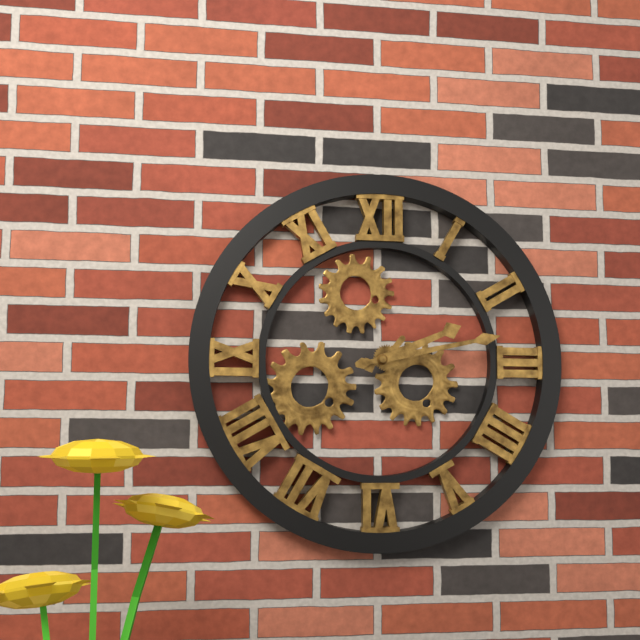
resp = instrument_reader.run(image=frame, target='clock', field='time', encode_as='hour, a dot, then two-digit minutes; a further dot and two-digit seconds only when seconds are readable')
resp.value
2.13
